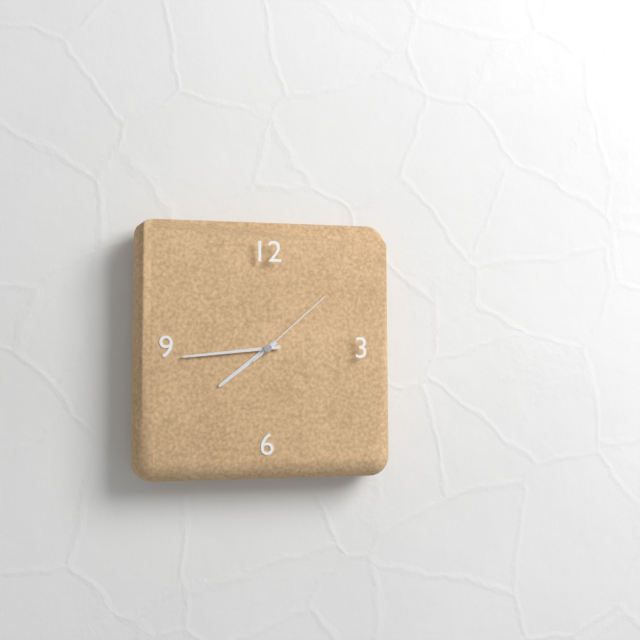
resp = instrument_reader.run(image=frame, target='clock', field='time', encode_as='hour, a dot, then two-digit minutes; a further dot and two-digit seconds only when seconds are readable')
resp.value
7.44.08
